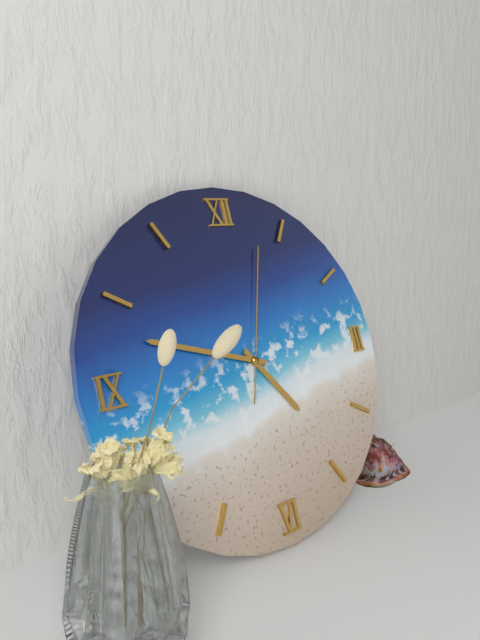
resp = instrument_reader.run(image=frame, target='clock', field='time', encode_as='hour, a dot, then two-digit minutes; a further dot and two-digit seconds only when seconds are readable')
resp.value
4.48.03
